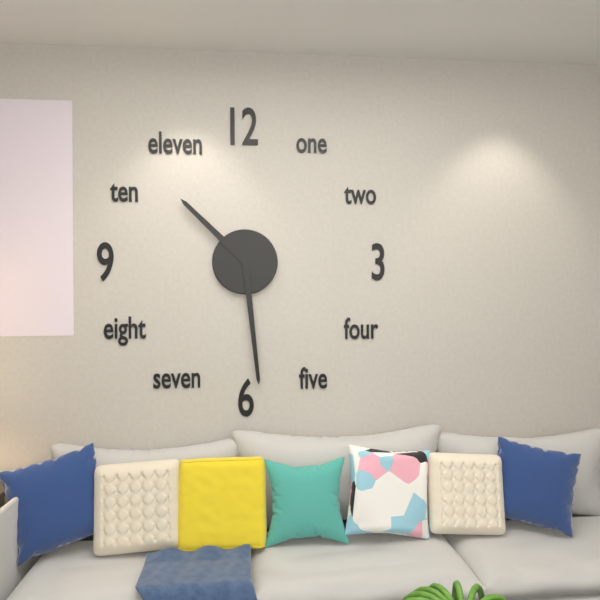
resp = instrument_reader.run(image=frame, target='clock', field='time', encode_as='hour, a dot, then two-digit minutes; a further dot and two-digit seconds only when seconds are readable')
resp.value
10.29
